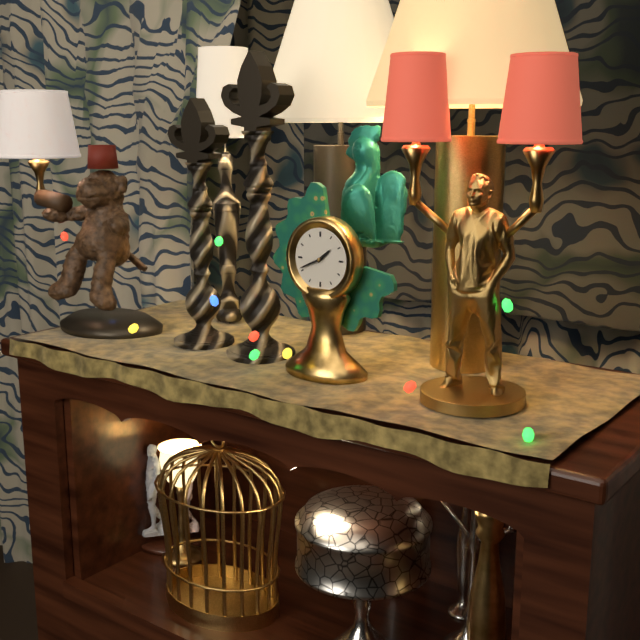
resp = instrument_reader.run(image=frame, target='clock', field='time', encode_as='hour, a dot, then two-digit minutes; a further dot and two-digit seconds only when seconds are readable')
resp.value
1.41
